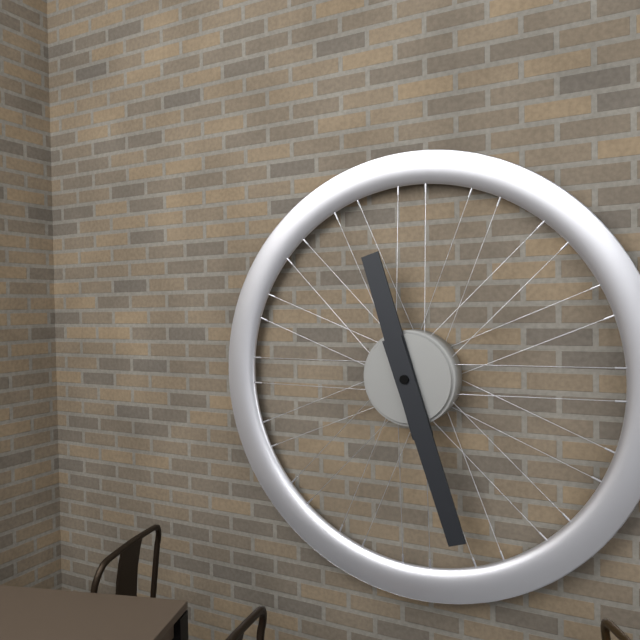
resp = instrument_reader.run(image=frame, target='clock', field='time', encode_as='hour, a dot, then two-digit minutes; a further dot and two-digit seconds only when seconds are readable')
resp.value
11.27
